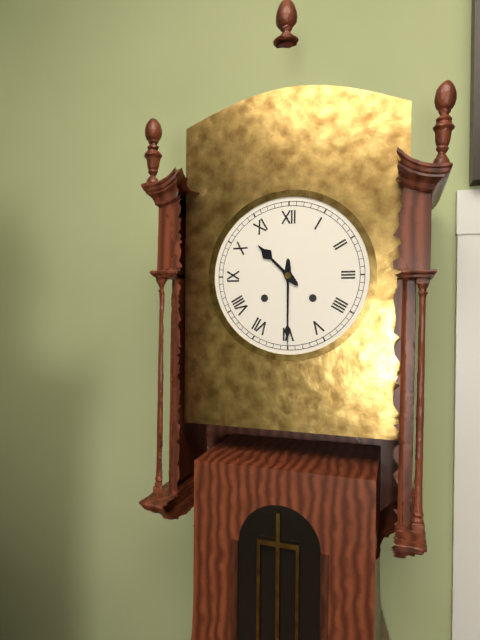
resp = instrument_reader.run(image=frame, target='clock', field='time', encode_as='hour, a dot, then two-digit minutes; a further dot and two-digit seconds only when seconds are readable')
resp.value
10.30
